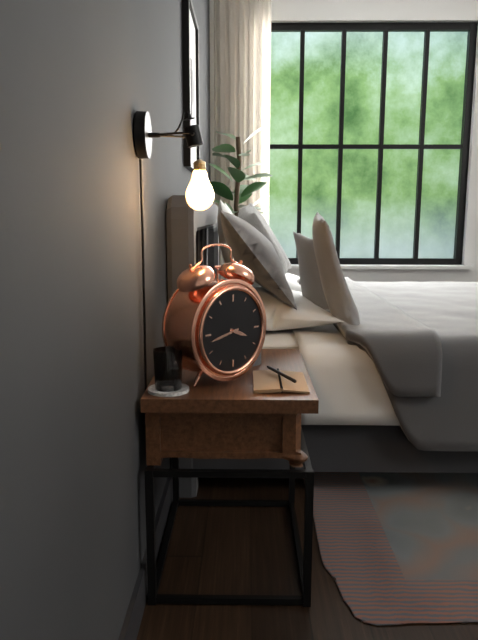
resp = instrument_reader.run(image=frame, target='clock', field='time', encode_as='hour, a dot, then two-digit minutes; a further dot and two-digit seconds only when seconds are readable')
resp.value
3.43
